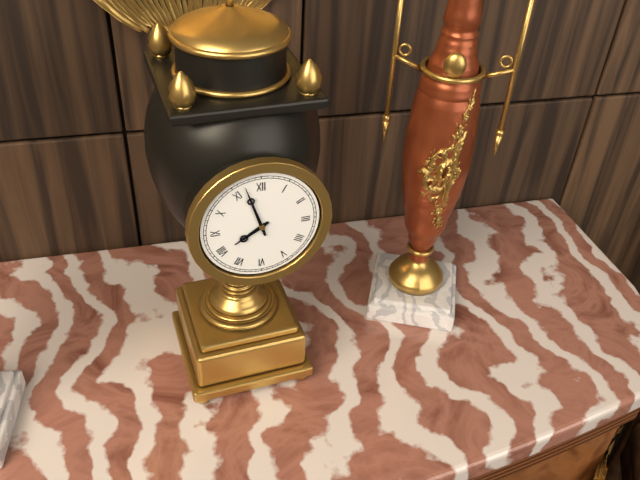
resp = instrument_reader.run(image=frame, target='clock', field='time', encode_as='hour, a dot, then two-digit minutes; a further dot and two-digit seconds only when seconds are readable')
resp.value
7.57
